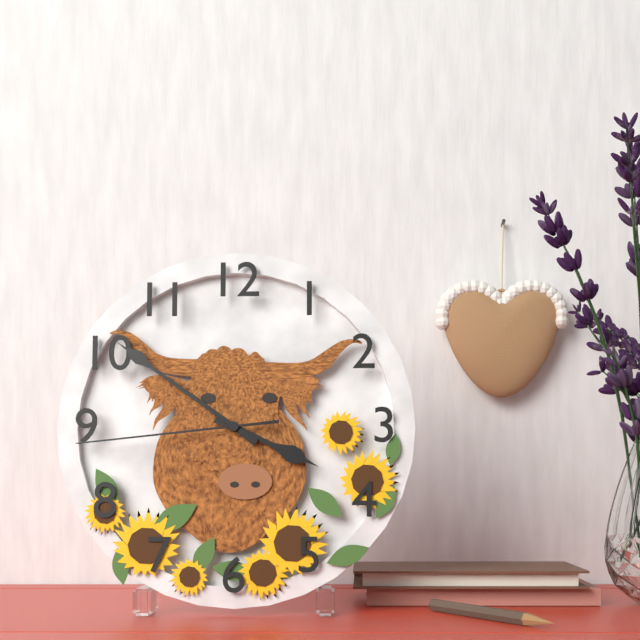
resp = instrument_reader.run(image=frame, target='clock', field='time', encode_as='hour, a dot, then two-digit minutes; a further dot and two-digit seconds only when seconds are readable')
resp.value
3.51.44
